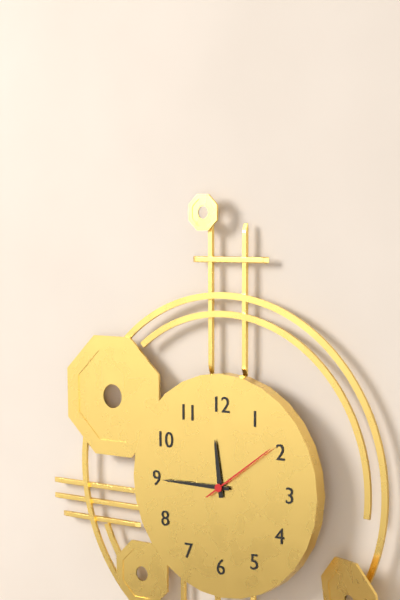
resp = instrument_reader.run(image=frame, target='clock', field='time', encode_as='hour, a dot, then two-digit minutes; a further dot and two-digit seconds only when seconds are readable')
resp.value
11.45.09
